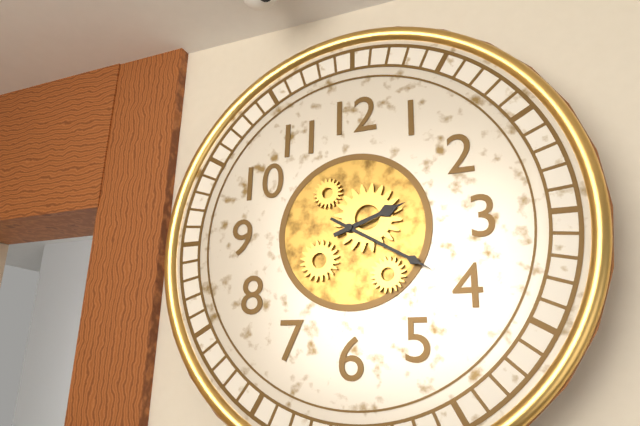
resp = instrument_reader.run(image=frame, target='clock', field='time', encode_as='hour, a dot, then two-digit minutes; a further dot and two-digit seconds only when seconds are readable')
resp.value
2.20
